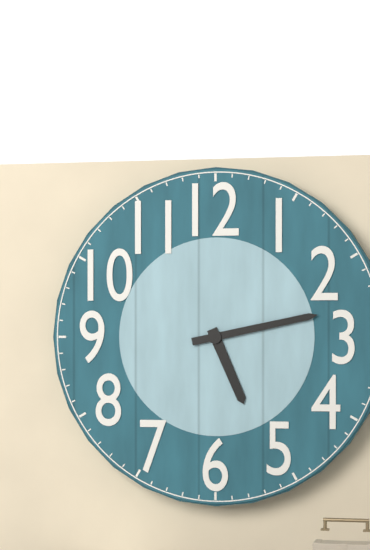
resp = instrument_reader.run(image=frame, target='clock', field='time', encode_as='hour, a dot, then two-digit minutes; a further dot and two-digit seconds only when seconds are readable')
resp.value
5.13
